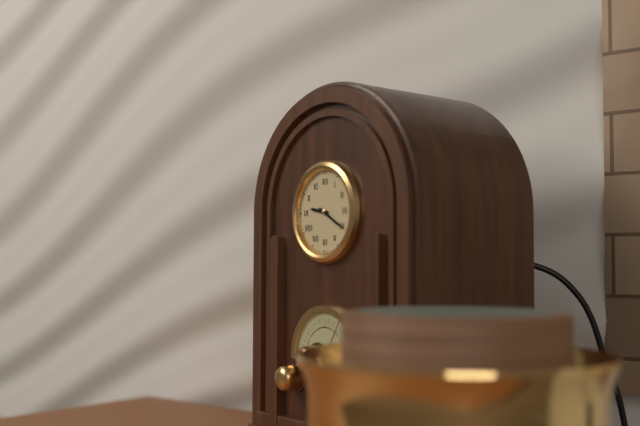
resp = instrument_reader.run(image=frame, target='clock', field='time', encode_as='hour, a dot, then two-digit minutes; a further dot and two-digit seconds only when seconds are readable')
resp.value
9.20
